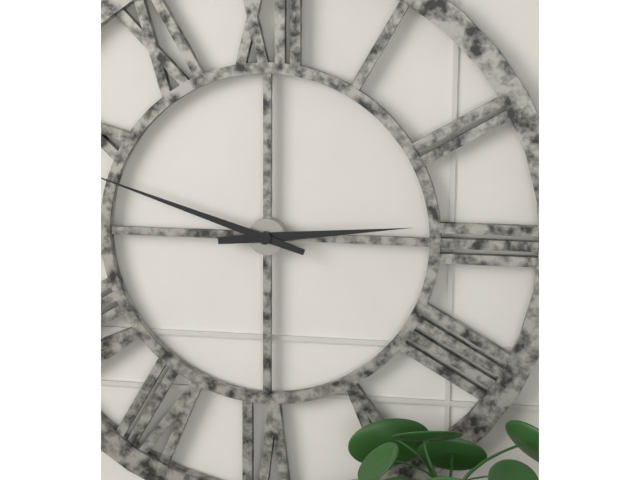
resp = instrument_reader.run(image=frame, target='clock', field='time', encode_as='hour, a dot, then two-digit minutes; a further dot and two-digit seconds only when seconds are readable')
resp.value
2.48
